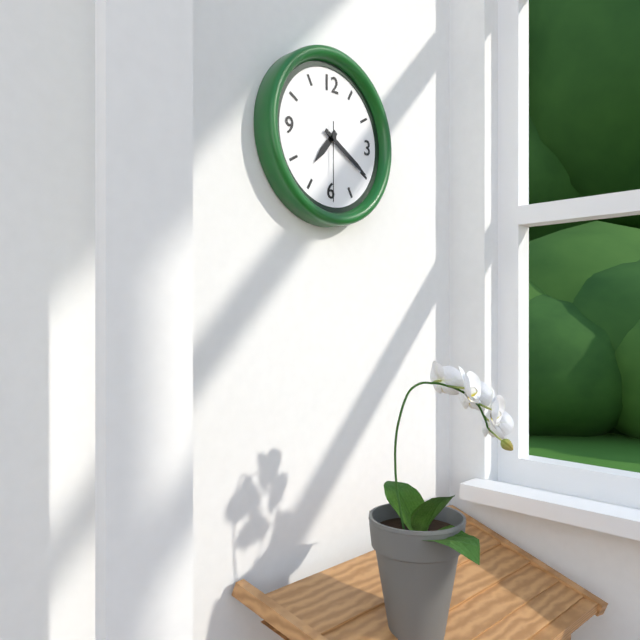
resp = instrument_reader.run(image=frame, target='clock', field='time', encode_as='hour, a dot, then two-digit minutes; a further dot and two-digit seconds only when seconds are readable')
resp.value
7.20.30
